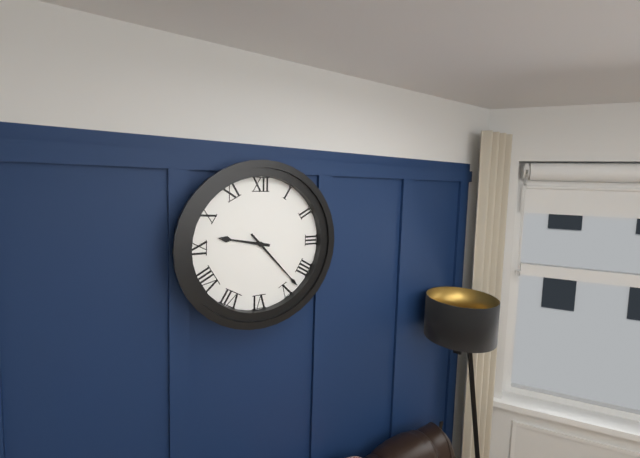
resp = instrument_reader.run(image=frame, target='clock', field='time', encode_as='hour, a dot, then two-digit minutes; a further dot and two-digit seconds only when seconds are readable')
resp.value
9.23
